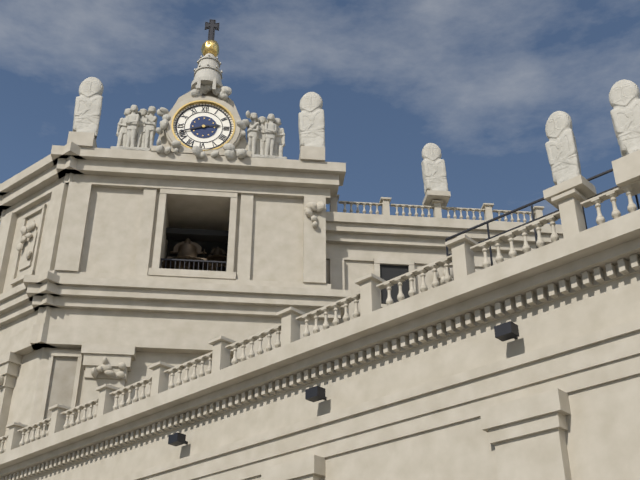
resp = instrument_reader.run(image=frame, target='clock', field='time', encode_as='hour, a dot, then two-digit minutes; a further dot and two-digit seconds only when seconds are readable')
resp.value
2.42
